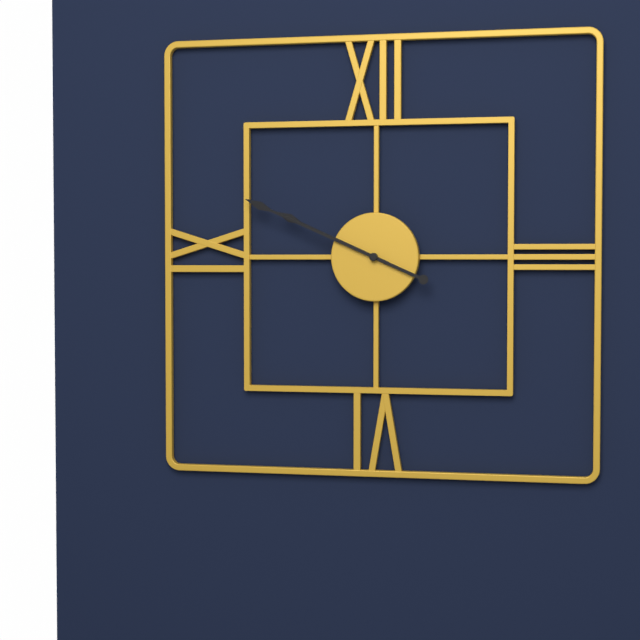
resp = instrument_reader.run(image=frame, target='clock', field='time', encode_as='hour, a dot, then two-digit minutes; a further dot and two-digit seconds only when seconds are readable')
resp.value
9.49
